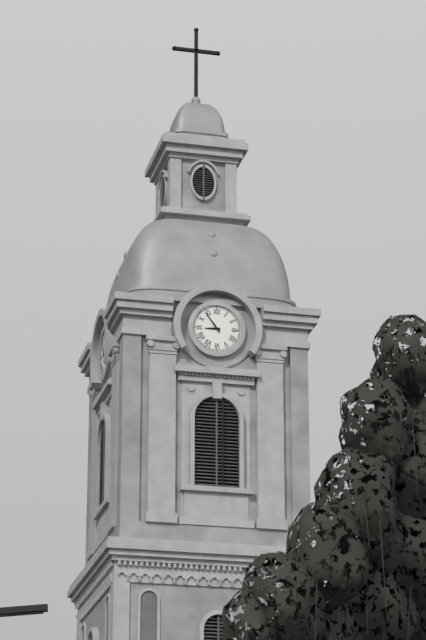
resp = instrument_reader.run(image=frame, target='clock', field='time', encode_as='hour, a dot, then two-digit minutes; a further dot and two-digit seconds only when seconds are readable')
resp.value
8.54
